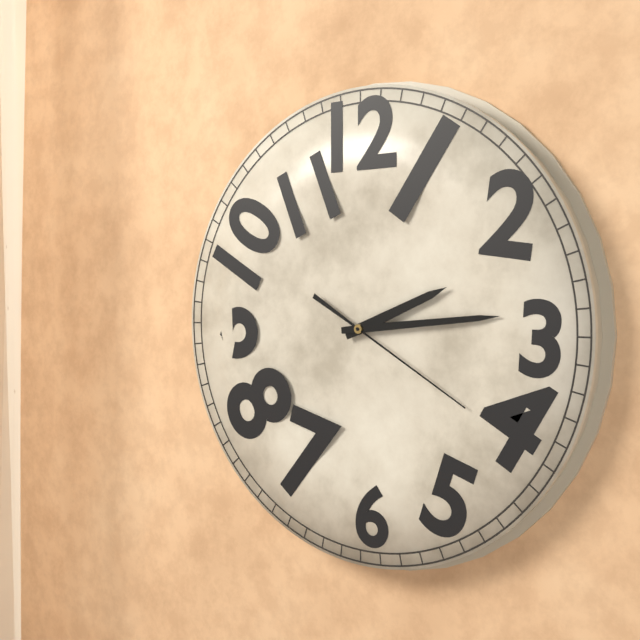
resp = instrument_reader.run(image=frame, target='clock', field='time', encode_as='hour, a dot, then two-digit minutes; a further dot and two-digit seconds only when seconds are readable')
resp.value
2.14.20
